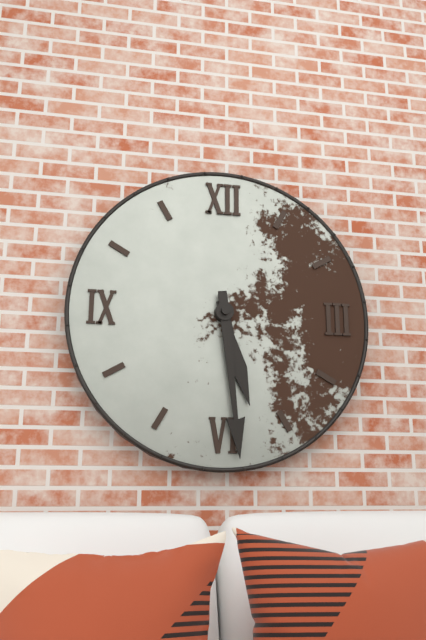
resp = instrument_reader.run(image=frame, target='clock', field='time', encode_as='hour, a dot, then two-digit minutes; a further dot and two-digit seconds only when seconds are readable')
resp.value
5.29
